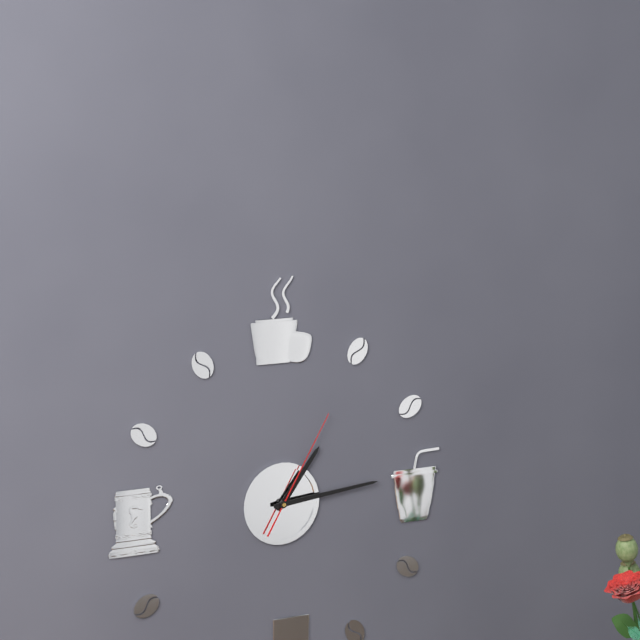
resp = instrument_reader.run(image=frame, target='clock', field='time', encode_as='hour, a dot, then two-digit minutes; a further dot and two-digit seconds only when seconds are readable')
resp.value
1.14.05
